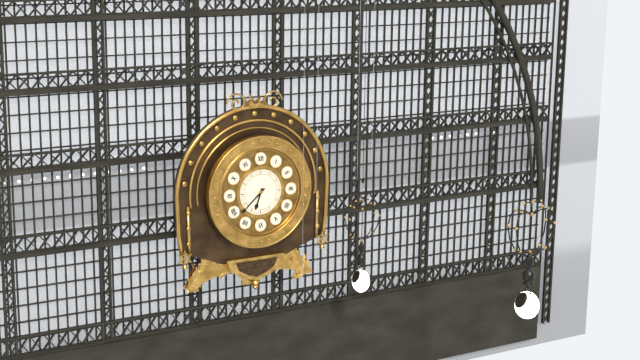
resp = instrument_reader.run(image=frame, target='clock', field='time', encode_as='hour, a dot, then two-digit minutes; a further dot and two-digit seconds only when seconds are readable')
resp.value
6.38
